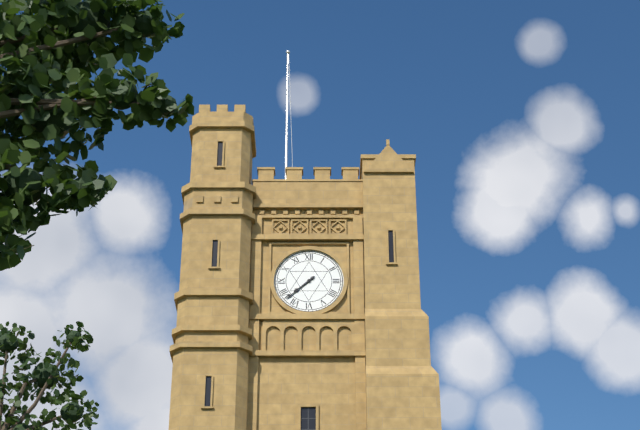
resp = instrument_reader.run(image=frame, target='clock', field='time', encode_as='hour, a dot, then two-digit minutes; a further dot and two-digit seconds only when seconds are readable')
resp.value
7.38
